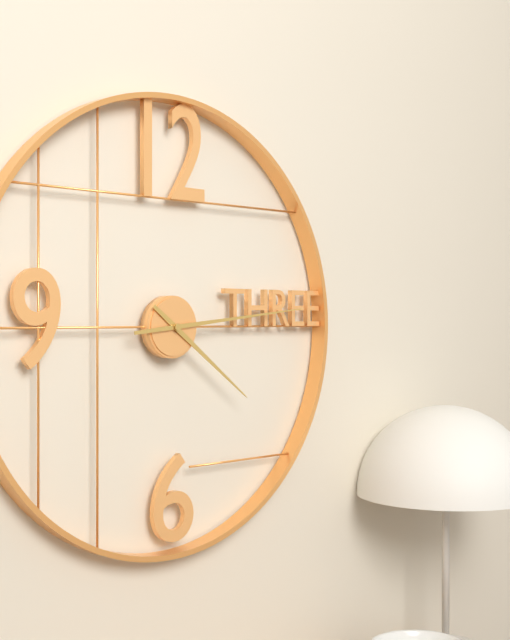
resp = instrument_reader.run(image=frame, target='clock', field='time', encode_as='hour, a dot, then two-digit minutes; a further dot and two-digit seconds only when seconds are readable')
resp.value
4.14
